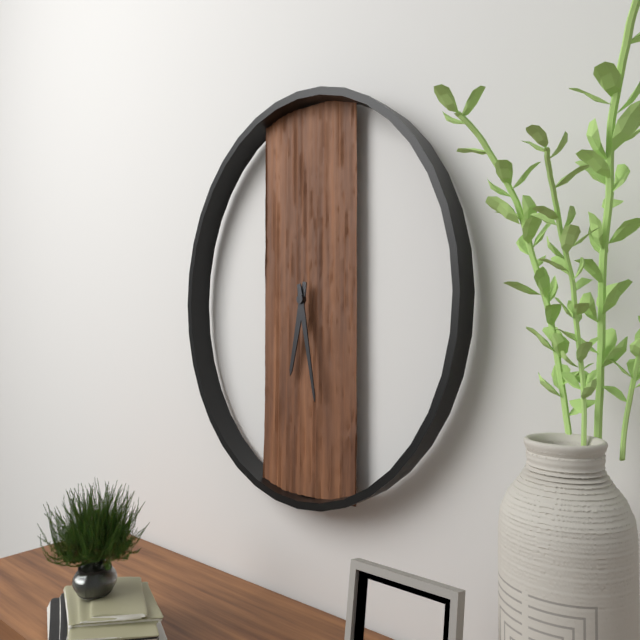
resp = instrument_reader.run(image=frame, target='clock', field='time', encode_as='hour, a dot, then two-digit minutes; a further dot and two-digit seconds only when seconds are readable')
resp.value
6.28
